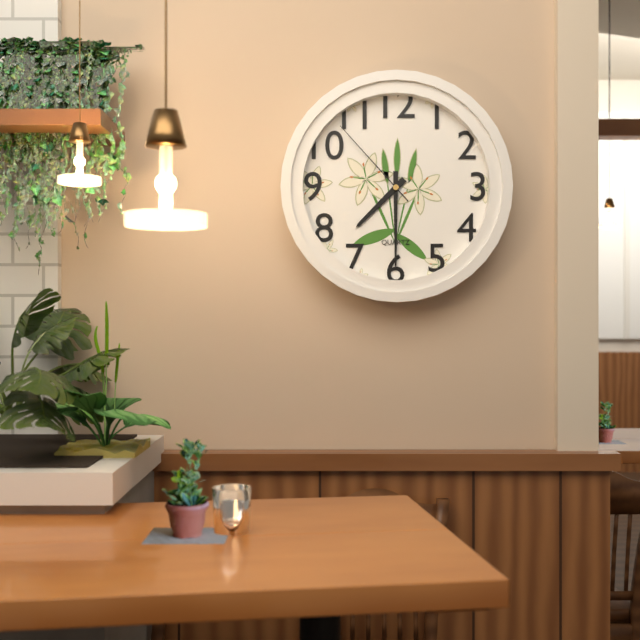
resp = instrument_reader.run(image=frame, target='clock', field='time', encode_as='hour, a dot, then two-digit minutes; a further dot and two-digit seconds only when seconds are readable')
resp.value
7.30.53
